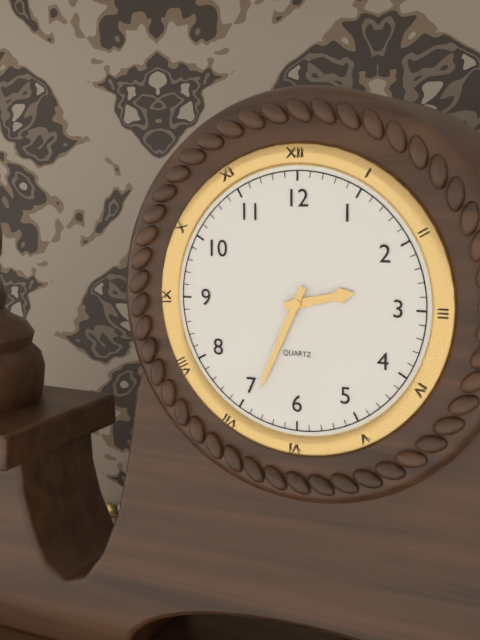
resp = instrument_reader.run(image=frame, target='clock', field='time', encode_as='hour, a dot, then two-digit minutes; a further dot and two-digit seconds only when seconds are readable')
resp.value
2.34
